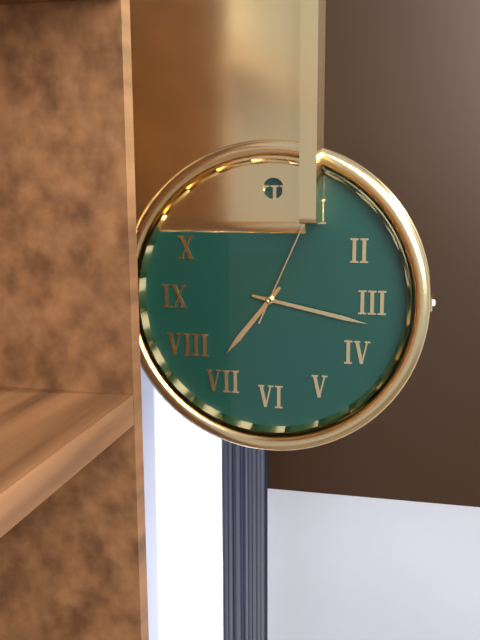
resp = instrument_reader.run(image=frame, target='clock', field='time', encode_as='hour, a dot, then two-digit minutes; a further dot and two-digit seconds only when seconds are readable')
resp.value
7.17.04
